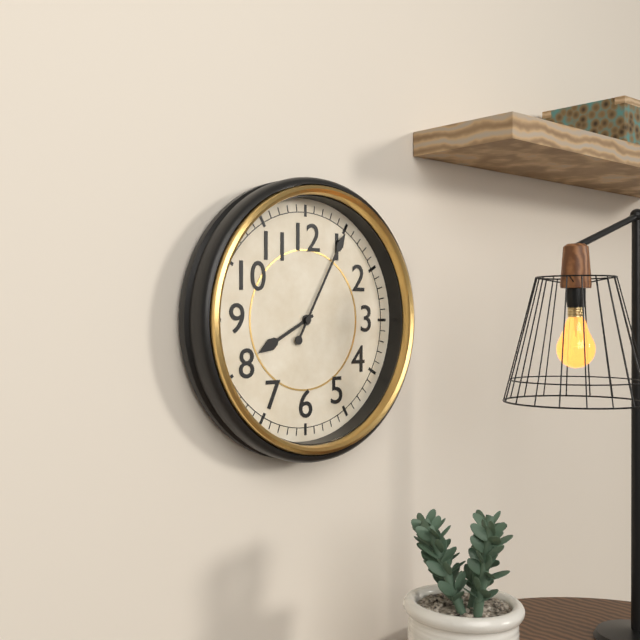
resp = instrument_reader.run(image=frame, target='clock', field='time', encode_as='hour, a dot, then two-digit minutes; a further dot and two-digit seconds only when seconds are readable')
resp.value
8.05
